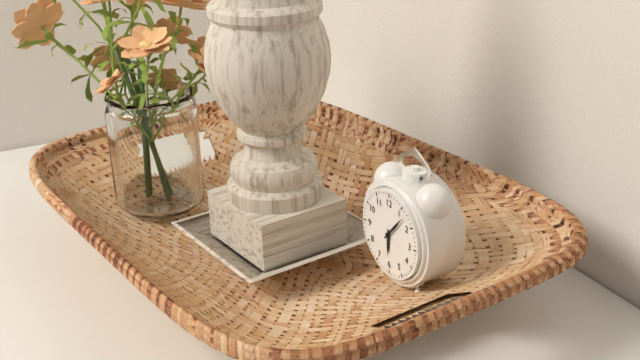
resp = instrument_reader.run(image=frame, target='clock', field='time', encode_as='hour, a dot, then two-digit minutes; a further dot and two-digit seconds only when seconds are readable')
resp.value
6.07
